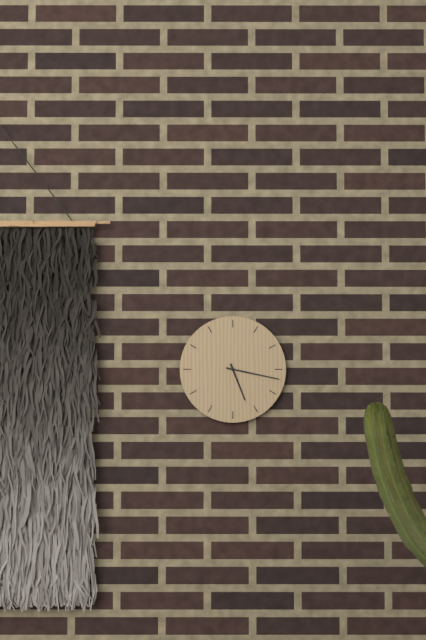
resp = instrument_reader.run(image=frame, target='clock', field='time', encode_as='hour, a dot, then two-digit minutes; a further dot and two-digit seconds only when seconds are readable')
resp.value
5.17
